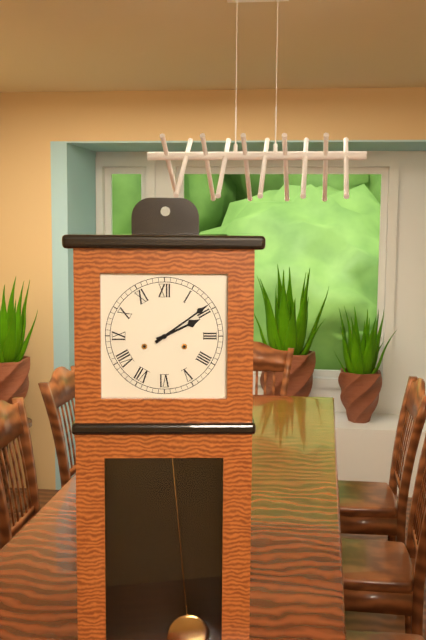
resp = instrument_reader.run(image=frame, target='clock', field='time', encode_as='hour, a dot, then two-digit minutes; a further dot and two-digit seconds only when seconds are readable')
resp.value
2.09
